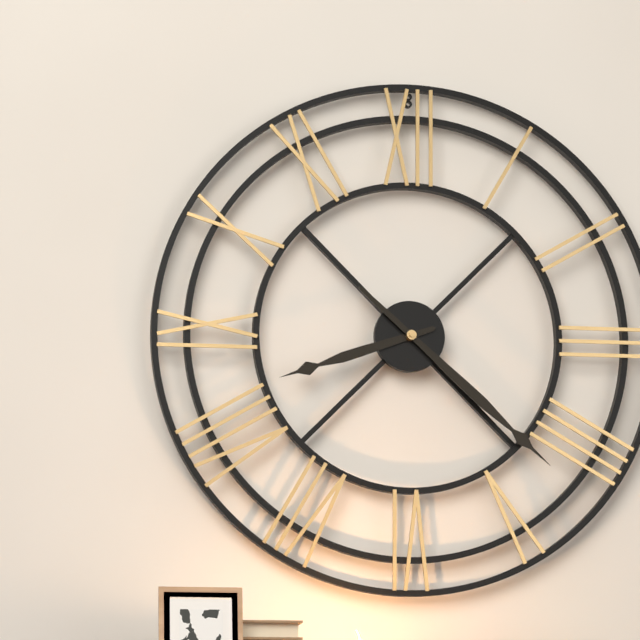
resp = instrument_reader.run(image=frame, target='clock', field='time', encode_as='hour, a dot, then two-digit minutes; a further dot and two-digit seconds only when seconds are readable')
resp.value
8.22
